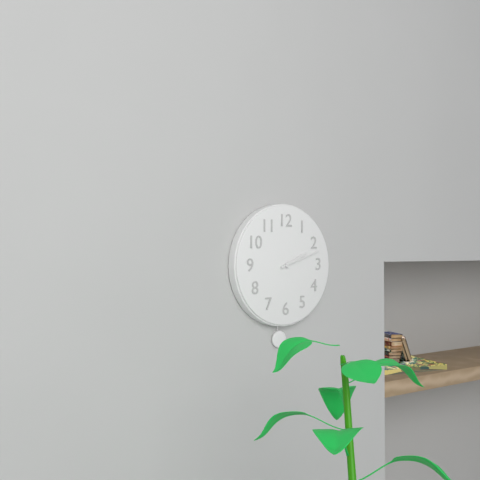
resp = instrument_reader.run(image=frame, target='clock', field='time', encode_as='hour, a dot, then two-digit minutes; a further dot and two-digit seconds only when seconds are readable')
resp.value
2.12
